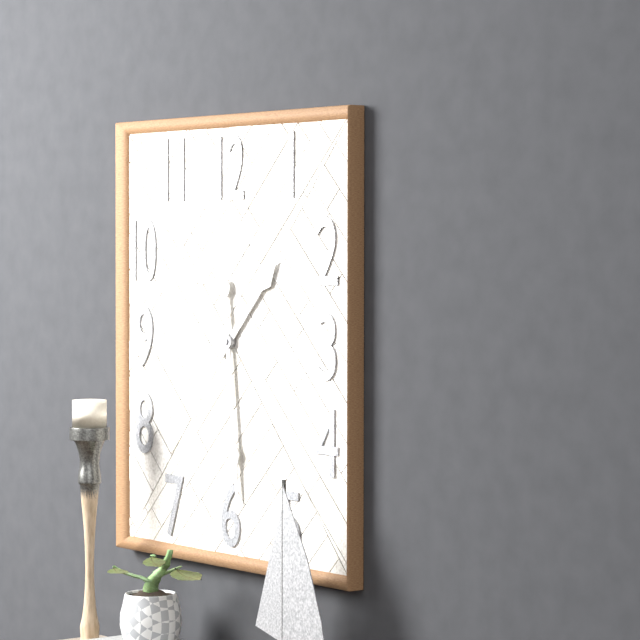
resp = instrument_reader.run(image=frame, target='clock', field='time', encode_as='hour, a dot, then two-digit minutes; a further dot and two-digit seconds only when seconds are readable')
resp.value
1.29
